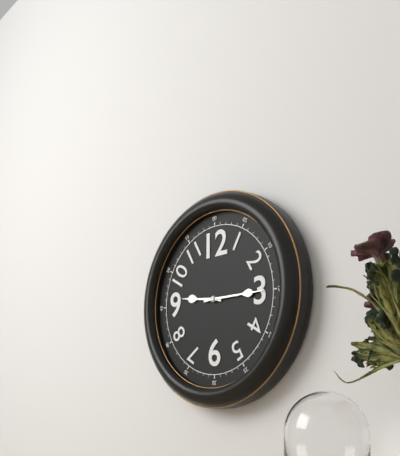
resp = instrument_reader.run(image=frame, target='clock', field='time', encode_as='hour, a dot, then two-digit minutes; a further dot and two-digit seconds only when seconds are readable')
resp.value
9.15
